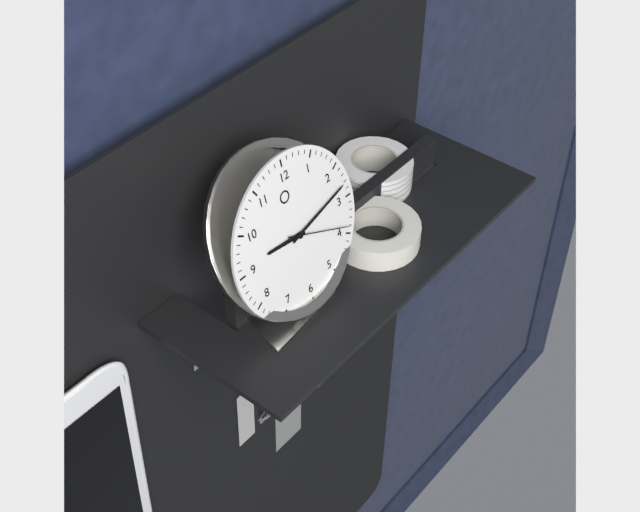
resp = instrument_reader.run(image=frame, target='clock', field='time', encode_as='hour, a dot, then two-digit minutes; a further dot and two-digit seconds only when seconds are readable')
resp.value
9.13.19
